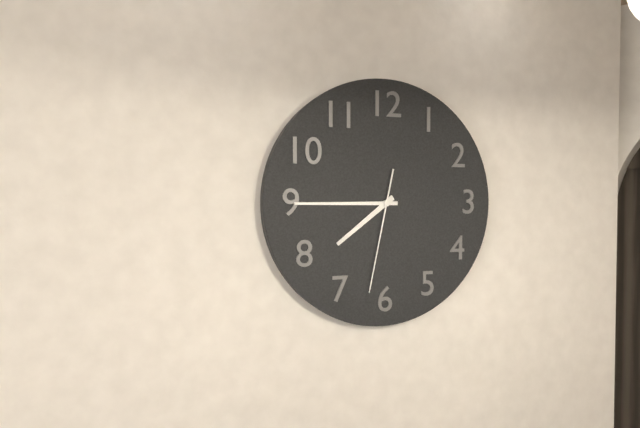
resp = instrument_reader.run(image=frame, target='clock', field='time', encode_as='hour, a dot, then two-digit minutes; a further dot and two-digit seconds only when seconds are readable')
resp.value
7.45.32
